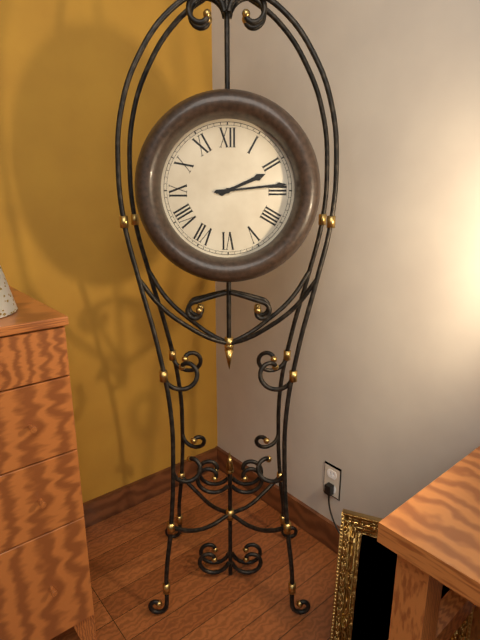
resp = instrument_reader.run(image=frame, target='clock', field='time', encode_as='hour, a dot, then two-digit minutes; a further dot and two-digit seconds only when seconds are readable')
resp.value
2.14
